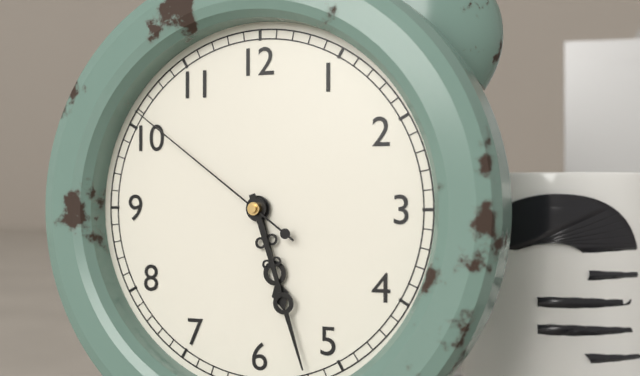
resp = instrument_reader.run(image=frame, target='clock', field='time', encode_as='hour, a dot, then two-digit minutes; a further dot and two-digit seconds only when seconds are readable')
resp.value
5.27.51
